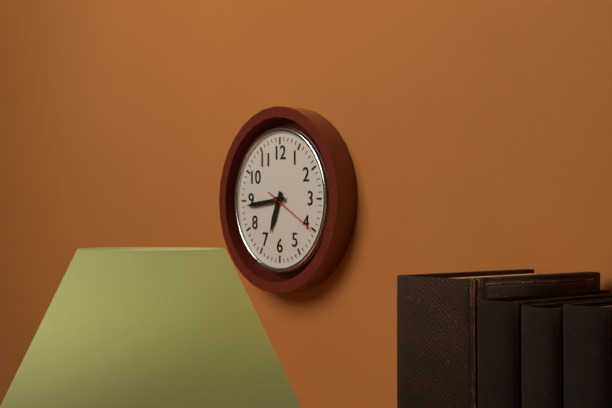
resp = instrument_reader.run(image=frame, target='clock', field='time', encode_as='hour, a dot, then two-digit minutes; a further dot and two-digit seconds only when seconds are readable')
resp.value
6.44.20
